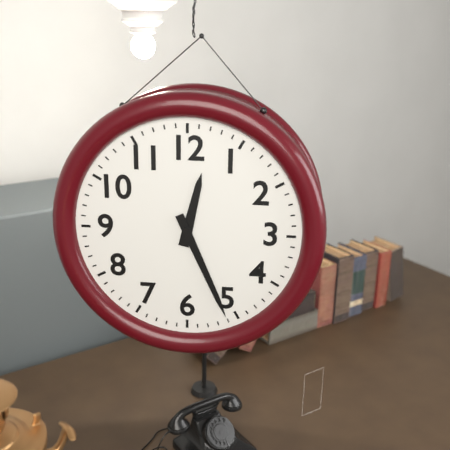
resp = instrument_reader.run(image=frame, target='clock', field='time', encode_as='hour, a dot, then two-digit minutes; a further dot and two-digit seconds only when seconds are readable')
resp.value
12.26
